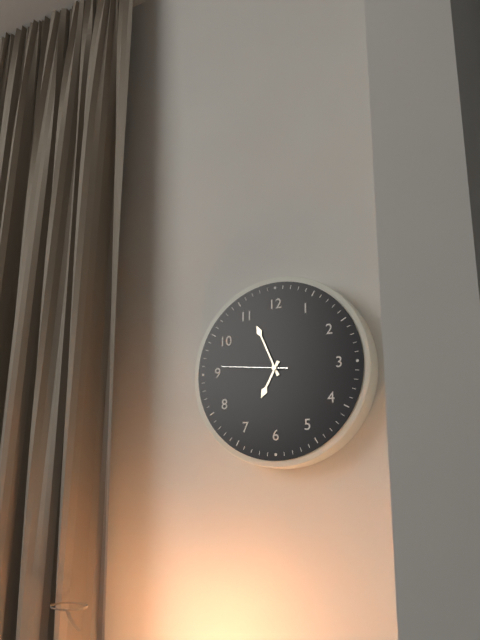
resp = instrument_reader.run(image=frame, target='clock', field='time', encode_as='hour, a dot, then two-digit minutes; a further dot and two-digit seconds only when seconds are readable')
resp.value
6.56.46
